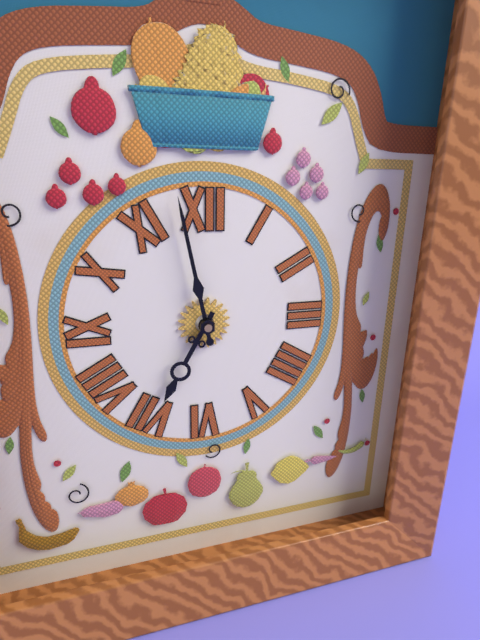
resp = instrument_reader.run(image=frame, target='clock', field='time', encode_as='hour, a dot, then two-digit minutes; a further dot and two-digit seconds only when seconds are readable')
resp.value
6.58
